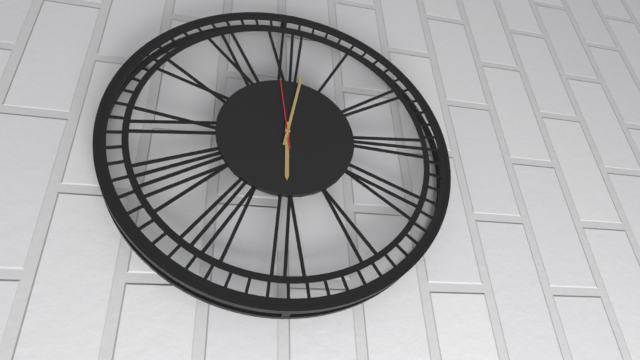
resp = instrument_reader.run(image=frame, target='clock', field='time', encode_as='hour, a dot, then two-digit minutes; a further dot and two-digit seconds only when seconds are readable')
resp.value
6.02.59
